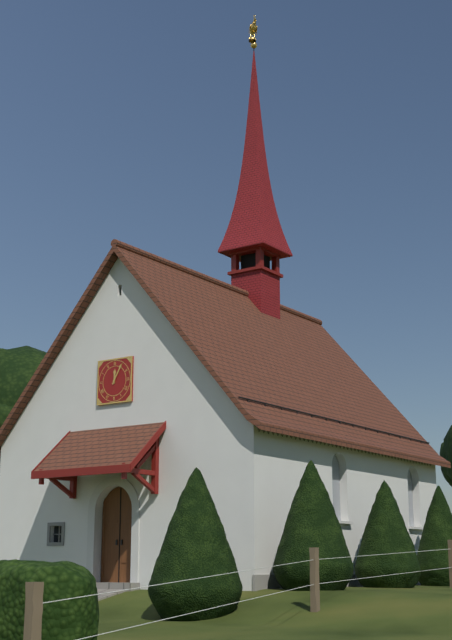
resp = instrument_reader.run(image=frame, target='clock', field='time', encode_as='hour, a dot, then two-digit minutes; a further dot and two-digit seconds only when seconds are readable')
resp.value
12.05
